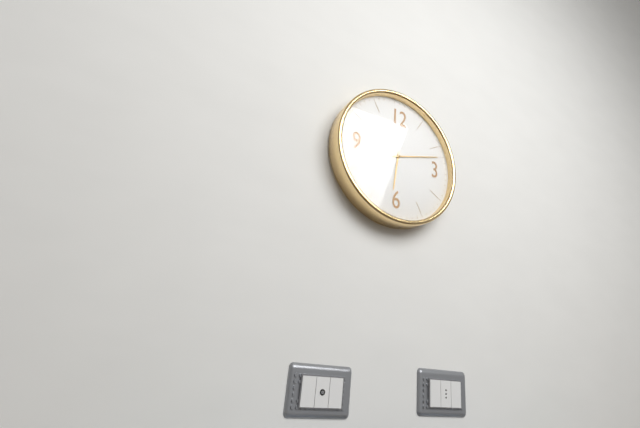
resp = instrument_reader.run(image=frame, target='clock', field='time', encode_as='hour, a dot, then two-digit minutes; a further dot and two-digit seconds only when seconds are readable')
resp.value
6.12
